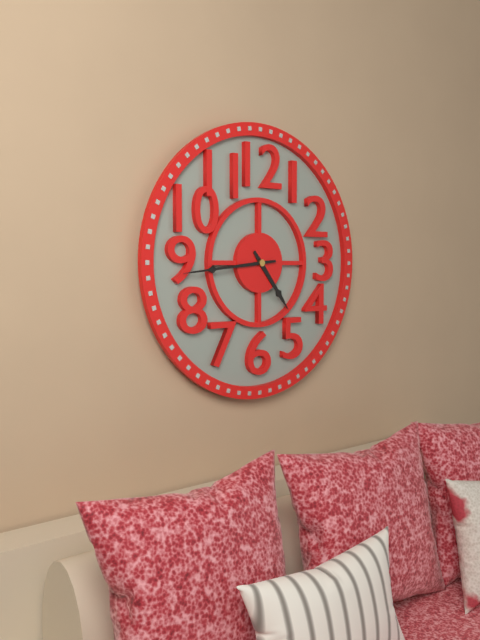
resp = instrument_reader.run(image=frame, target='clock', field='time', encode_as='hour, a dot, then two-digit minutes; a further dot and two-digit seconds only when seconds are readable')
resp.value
4.44
